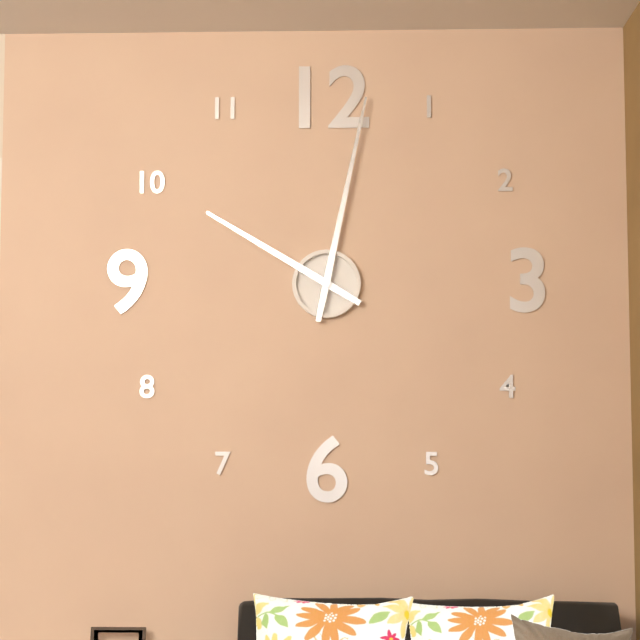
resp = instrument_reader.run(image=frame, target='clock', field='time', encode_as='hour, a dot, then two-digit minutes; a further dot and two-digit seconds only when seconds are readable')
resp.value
10.02
